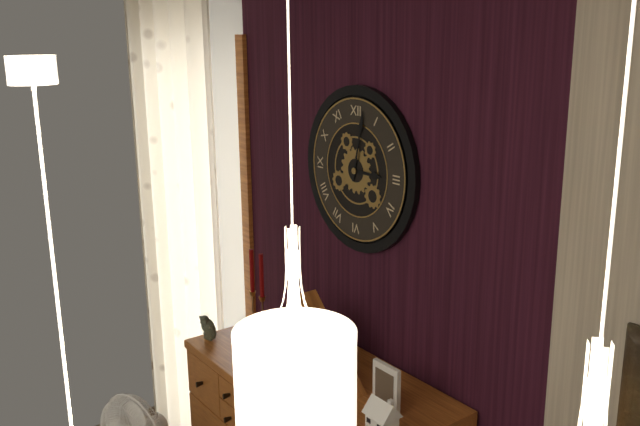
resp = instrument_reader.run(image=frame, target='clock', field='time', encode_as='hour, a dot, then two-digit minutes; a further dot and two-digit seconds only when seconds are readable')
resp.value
3.02
